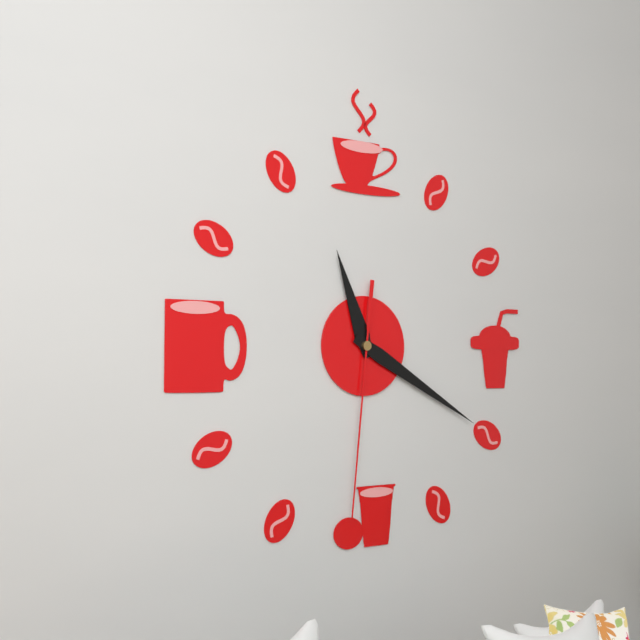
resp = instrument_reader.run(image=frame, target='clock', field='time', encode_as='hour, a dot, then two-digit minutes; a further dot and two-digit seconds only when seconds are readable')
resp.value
11.20.31
